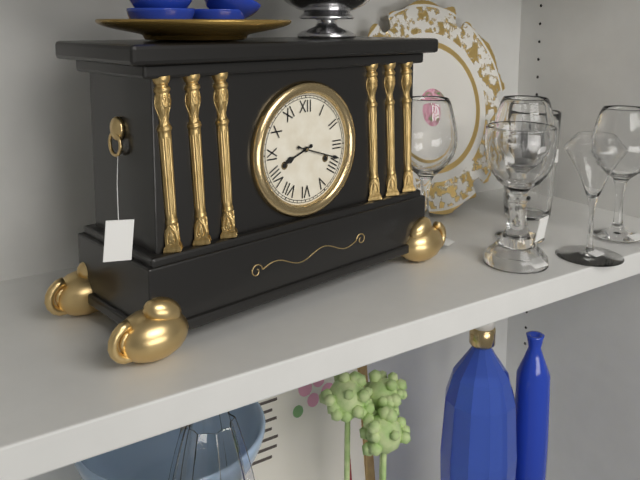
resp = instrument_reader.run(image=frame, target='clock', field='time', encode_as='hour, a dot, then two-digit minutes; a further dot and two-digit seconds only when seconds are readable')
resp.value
8.18
